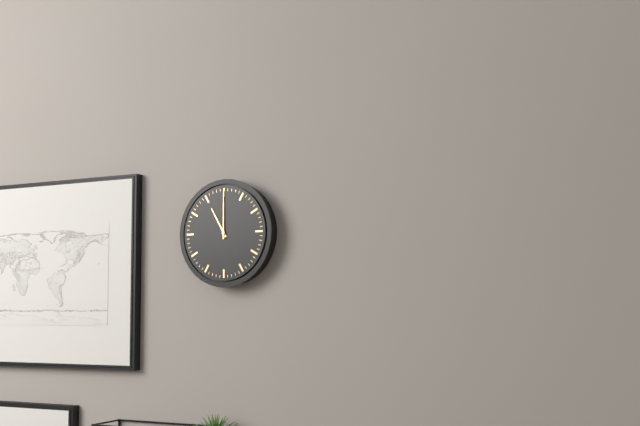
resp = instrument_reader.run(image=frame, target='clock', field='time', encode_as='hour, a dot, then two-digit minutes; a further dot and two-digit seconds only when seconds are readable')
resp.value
11.00
